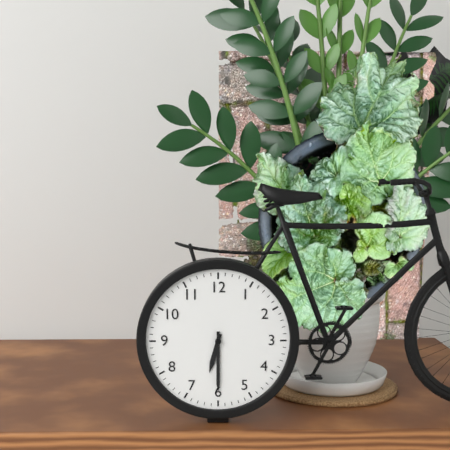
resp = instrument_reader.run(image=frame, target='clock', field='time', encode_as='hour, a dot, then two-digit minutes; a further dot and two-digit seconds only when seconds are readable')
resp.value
6.30
